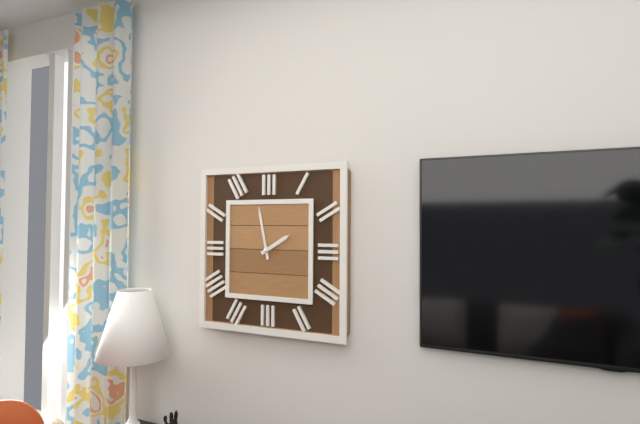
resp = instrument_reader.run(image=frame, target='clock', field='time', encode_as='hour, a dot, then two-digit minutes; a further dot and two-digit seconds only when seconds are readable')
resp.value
1.58
